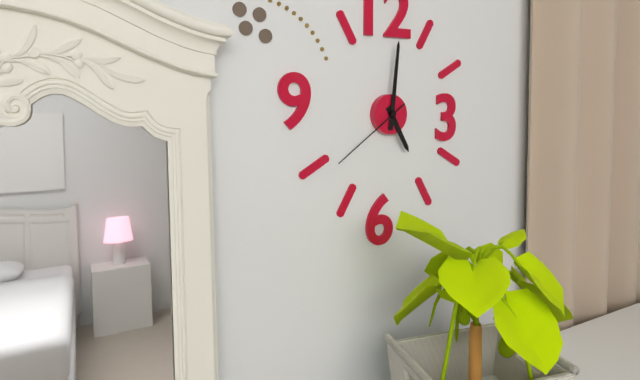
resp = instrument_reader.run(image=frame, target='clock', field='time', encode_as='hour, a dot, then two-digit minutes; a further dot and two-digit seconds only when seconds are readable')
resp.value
5.01.39
